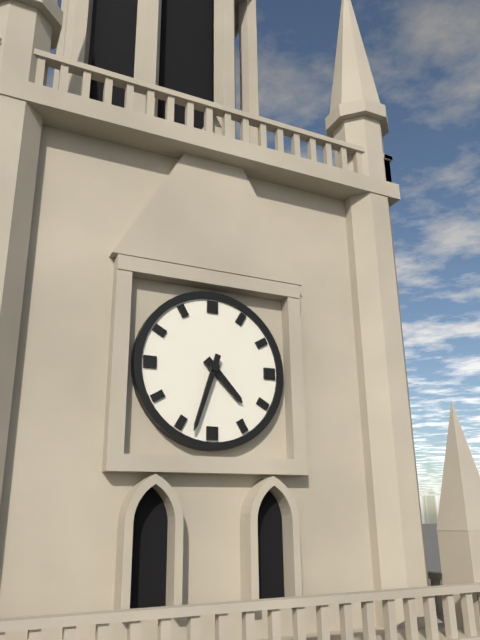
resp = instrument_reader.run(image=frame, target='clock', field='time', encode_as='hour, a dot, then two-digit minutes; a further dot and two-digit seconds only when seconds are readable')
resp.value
4.33
